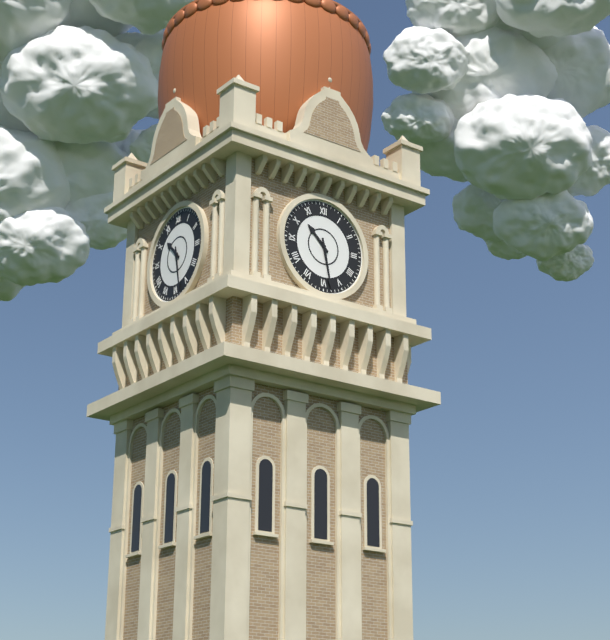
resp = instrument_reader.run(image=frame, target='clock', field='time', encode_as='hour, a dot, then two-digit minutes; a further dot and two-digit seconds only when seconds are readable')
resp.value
10.28
